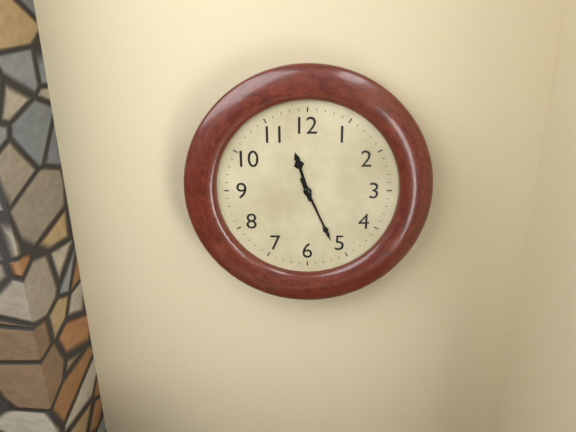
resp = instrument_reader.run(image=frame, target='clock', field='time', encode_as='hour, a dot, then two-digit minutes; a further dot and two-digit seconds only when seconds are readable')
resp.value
11.26
